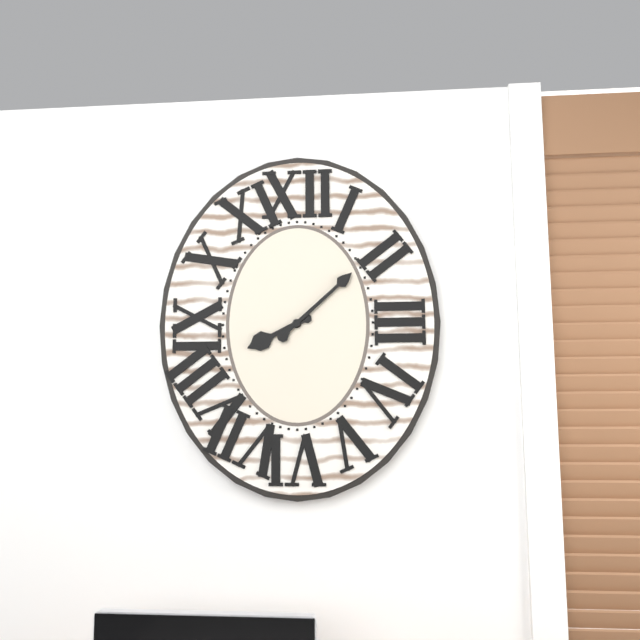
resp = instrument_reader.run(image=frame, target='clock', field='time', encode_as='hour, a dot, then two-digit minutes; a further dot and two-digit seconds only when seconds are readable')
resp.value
8.08
